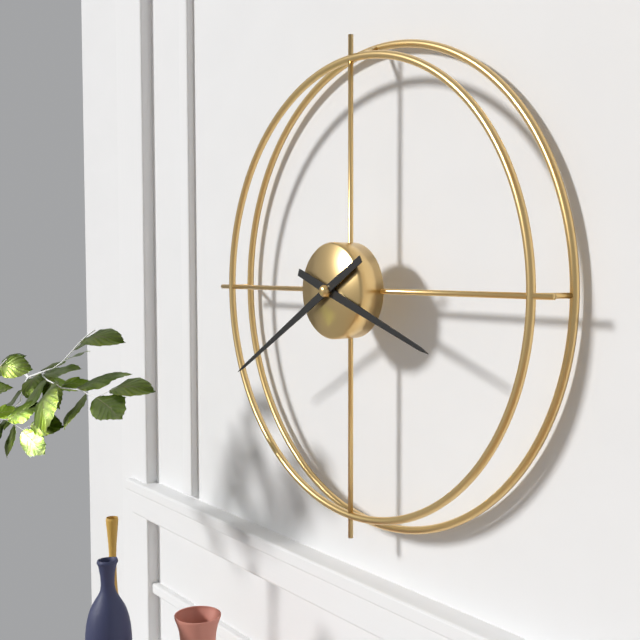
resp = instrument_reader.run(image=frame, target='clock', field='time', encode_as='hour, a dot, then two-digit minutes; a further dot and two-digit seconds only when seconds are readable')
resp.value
3.40
